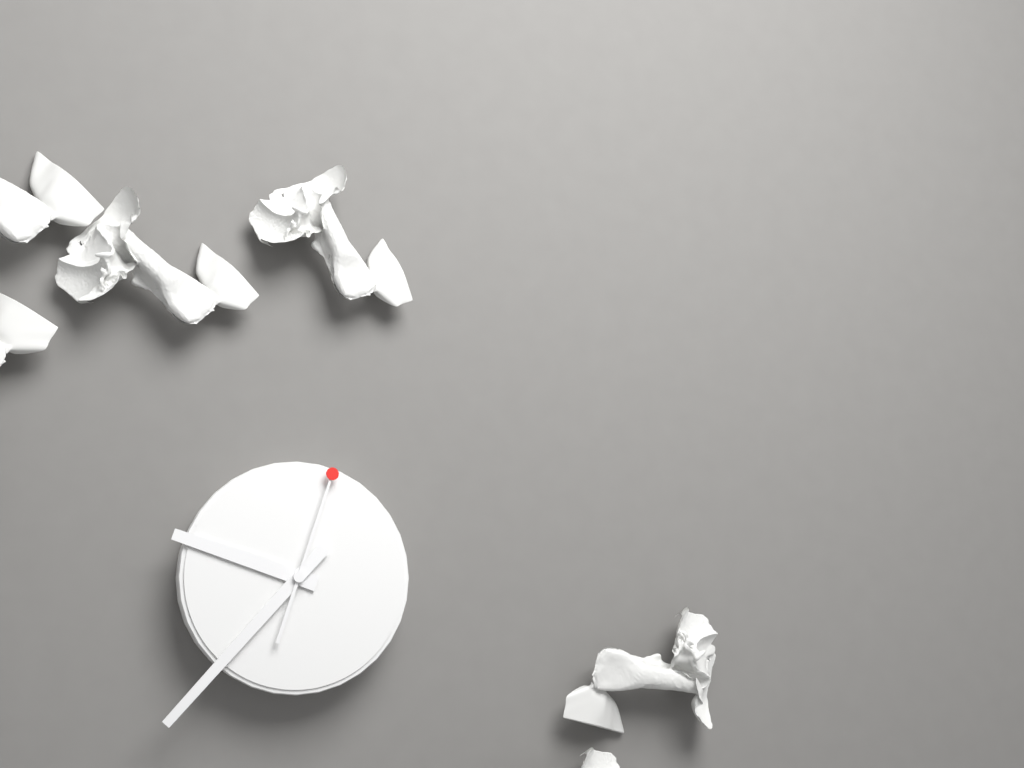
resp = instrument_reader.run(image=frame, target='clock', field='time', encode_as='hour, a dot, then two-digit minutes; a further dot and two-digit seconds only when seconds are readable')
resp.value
9.37.03
